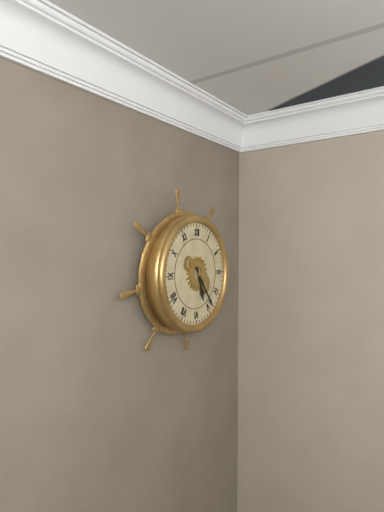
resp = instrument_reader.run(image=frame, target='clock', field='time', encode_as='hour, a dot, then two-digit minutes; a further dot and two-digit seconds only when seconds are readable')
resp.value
5.24
